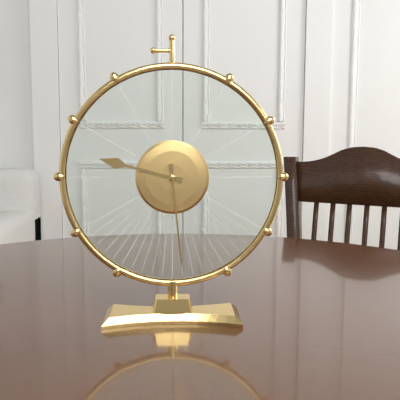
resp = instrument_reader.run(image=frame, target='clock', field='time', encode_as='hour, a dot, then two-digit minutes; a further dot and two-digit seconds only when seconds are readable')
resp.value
9.29
